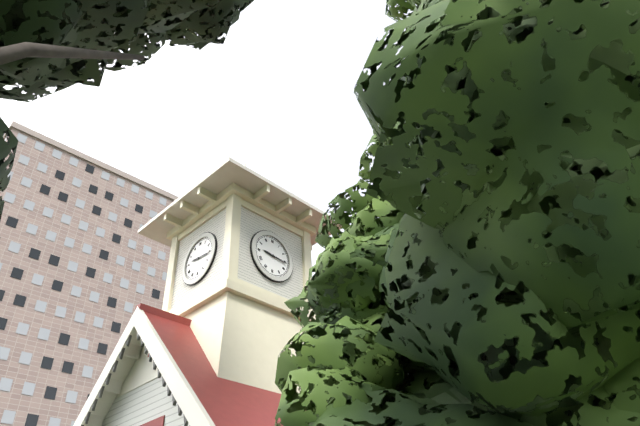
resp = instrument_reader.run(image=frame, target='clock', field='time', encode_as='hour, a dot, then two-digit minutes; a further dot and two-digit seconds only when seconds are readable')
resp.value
9.16
